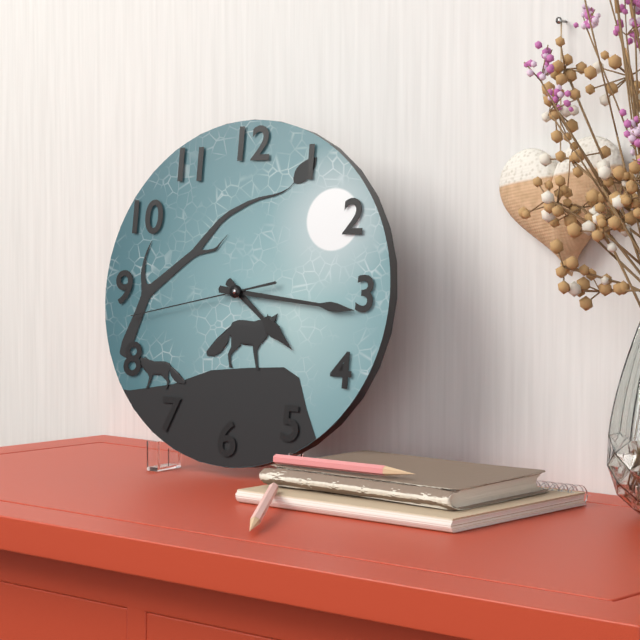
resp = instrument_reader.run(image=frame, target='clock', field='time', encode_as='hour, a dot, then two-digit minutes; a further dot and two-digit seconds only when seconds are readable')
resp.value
4.16.43
